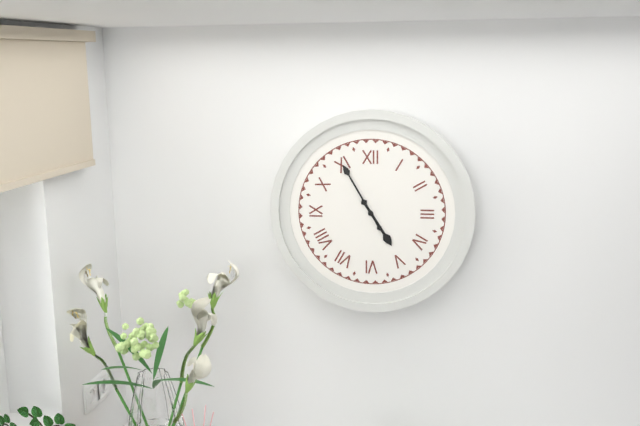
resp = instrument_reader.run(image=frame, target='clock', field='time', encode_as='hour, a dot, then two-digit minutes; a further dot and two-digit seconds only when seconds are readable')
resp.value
4.55
